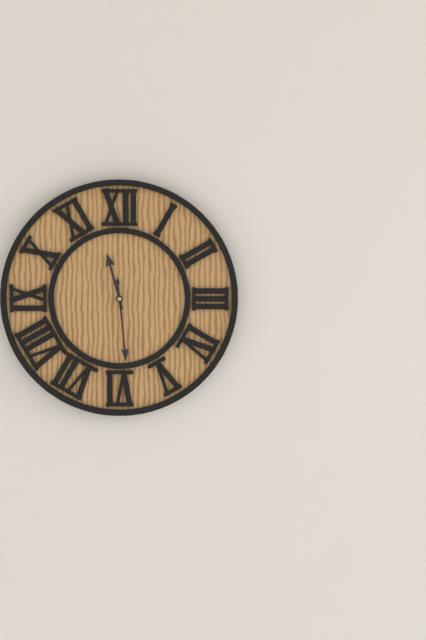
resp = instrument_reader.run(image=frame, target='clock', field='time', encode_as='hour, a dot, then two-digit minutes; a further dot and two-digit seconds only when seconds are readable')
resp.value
11.29
